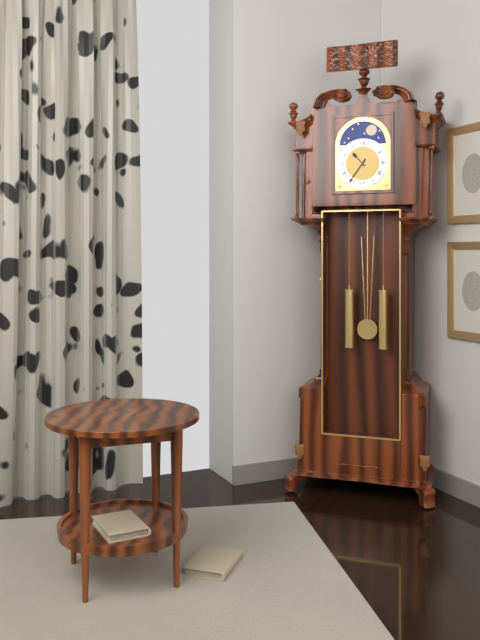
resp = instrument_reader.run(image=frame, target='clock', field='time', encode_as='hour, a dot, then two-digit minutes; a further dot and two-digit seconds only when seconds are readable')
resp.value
10.36
